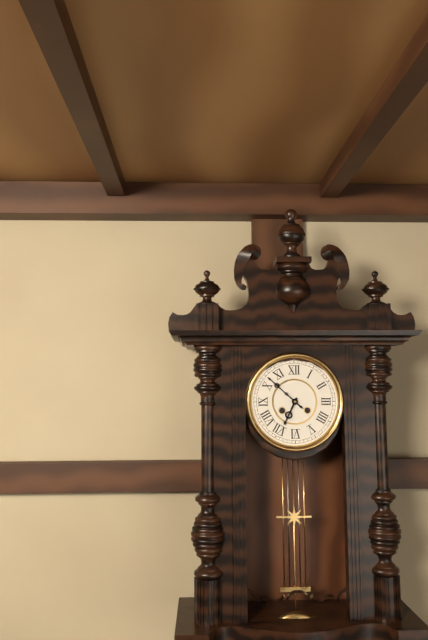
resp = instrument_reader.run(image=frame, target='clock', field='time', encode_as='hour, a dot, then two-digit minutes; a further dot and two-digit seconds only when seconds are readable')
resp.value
6.52
